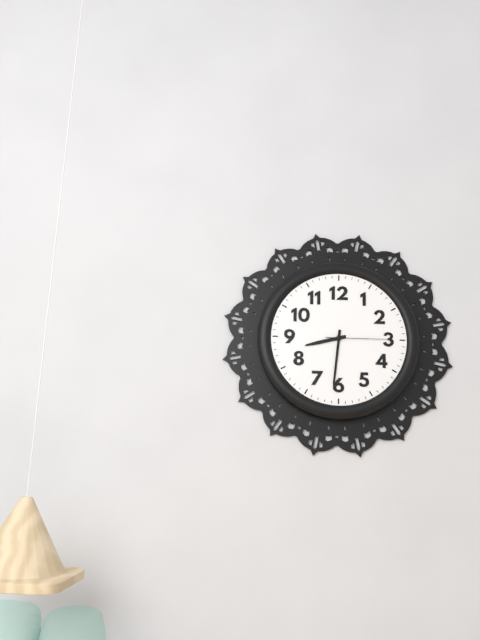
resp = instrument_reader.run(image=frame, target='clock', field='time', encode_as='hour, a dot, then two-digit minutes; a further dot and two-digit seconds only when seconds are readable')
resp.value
8.31.15
